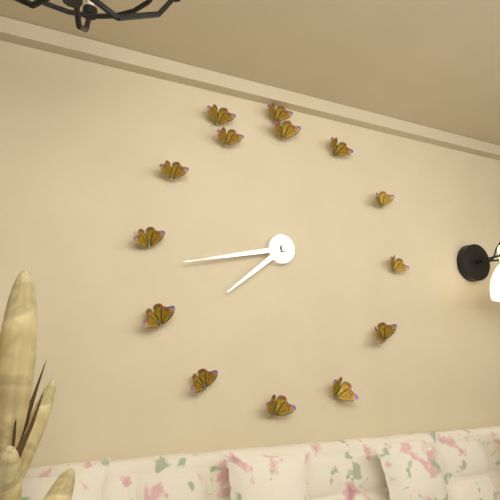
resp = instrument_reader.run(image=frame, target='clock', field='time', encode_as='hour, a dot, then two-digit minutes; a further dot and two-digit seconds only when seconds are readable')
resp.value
7.43
